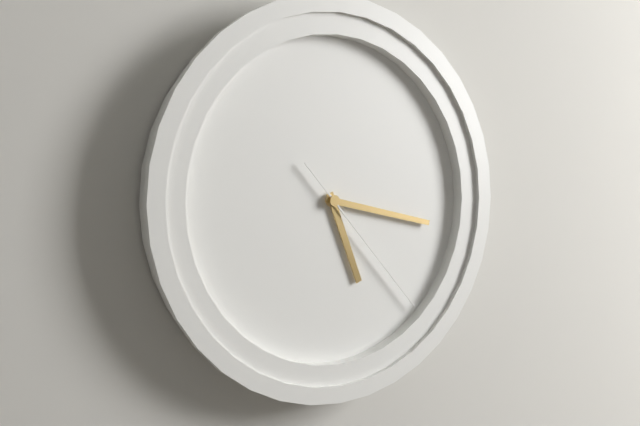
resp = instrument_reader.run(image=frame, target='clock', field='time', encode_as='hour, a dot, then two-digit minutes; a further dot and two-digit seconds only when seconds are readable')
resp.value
5.17.23
